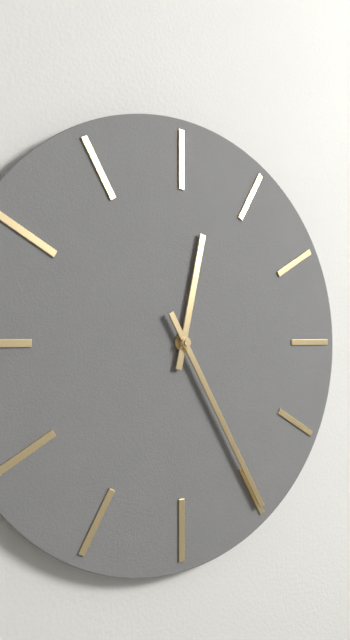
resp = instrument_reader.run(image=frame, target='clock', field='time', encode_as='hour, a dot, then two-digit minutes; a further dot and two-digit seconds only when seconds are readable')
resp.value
12.25
